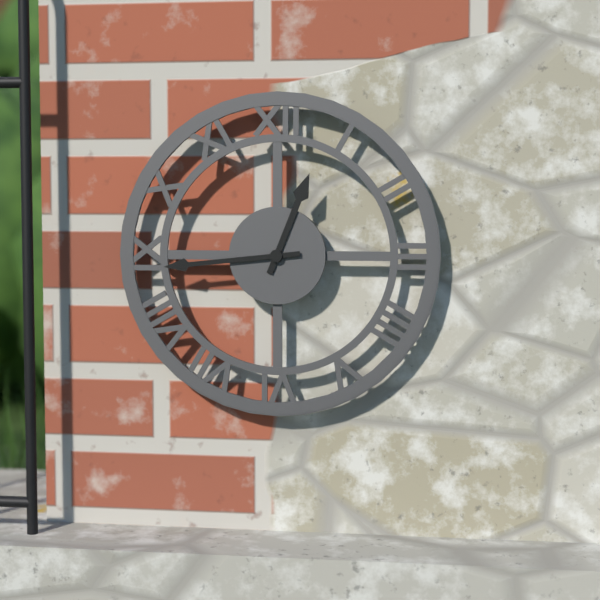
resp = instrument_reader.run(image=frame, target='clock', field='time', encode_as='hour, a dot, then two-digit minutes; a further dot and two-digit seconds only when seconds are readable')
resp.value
12.44
